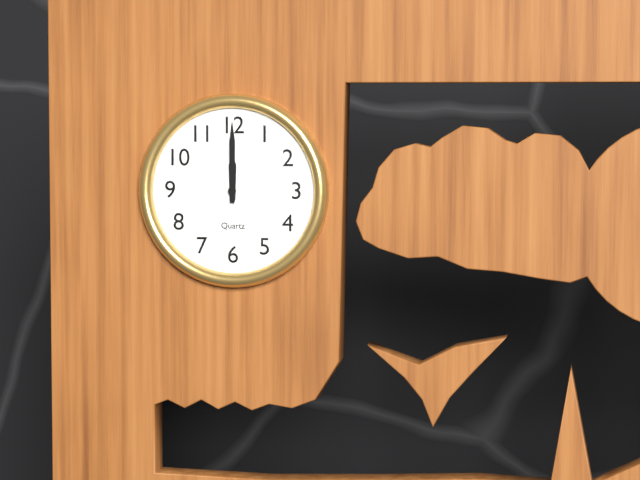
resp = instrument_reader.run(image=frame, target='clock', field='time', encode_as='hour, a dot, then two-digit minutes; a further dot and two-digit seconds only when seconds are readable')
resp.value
12.00
